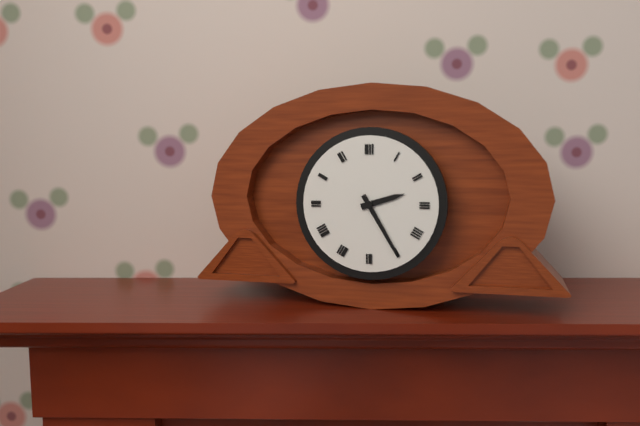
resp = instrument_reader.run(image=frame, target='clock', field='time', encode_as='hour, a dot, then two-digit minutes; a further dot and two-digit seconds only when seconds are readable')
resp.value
2.25
